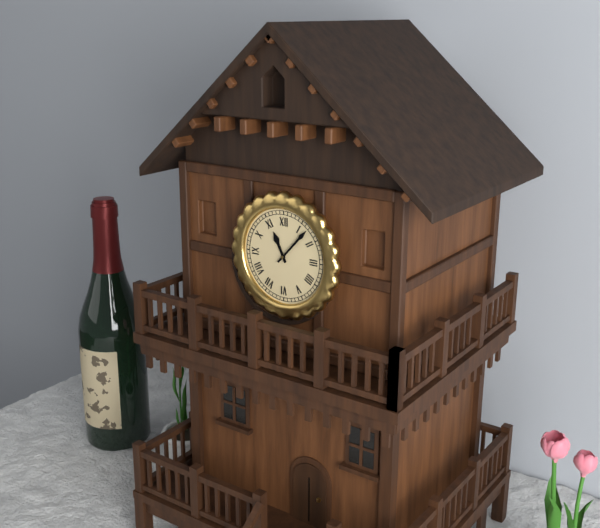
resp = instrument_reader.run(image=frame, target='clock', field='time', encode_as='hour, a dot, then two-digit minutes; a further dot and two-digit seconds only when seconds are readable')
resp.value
11.07
